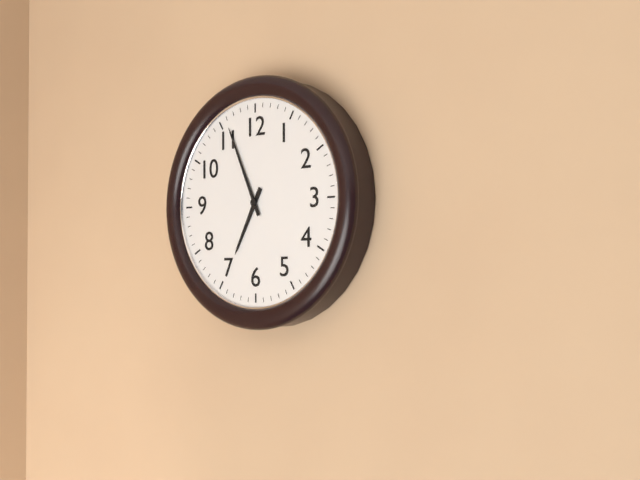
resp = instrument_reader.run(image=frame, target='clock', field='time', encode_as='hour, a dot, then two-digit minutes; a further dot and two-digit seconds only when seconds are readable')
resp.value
6.56
